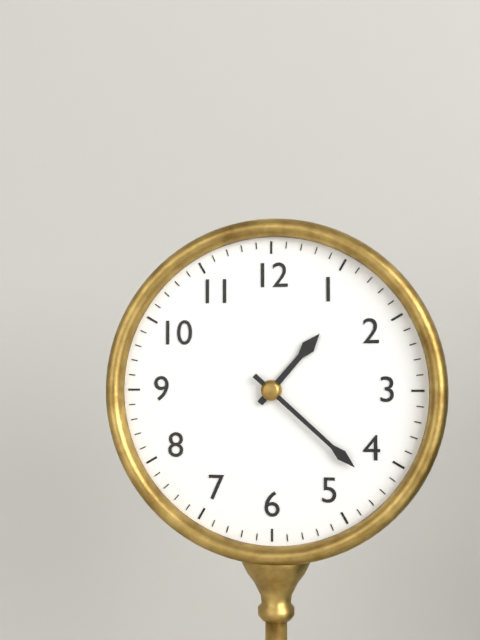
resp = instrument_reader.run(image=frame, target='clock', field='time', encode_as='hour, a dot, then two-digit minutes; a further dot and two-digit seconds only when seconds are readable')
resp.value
1.22
